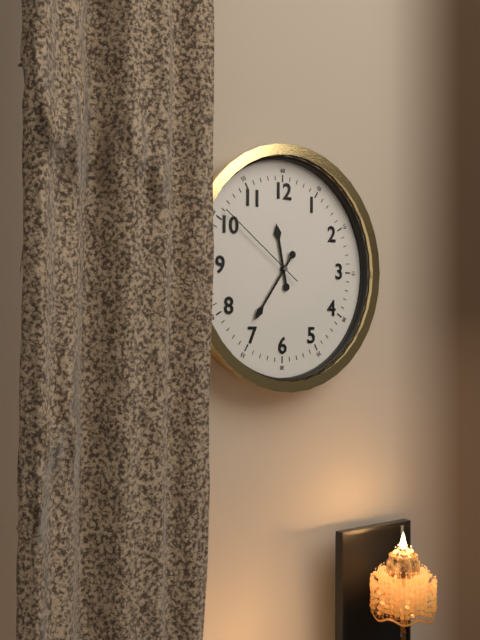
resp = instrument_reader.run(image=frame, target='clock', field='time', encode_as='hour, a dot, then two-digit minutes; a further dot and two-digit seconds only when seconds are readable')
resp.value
11.36.51
